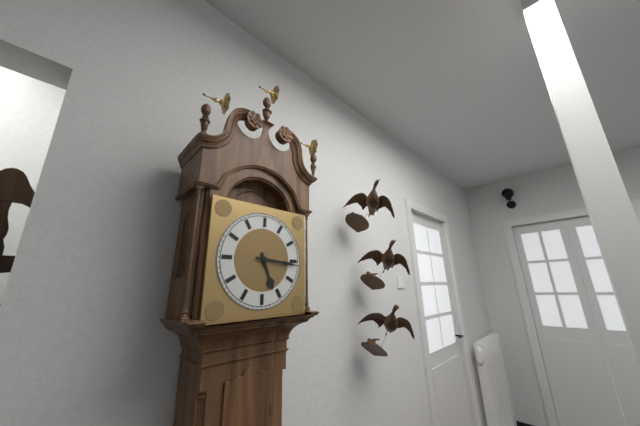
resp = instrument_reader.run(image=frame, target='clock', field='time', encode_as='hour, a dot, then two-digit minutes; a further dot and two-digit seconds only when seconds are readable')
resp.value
5.16
